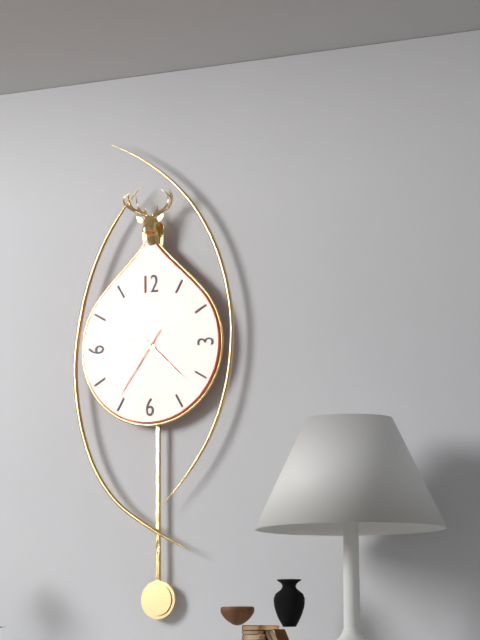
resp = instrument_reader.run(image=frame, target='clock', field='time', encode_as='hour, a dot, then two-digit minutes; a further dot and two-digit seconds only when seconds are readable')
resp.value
9.22.36
